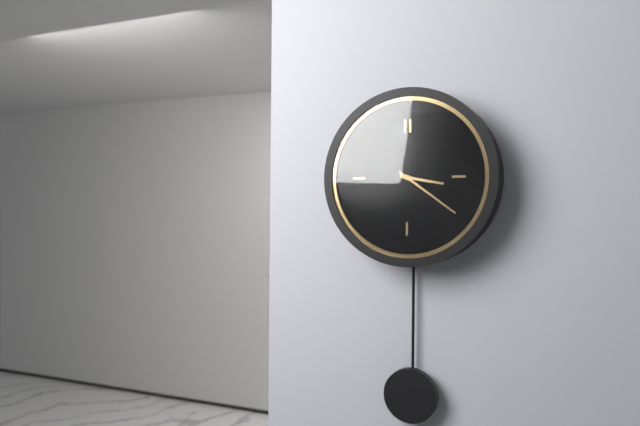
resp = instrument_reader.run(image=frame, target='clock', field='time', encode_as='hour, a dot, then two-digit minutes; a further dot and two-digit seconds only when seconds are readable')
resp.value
3.21
